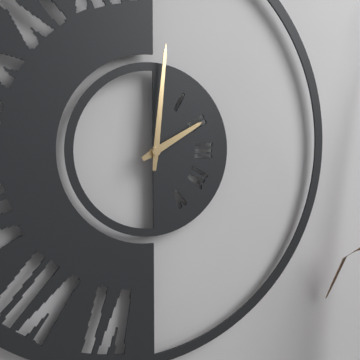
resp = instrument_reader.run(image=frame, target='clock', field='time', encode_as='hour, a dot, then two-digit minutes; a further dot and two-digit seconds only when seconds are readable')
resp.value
2.01
